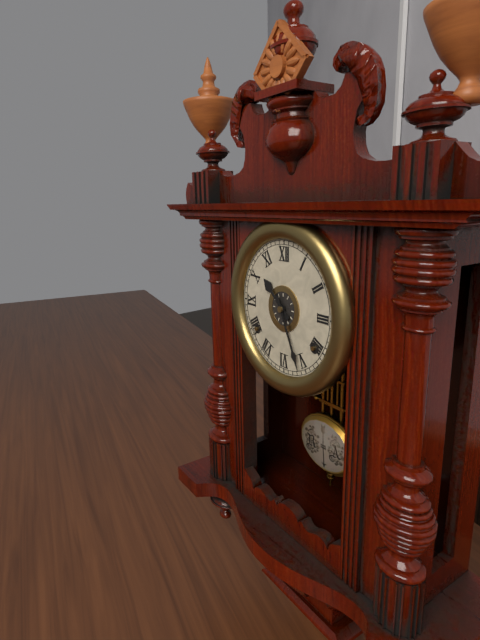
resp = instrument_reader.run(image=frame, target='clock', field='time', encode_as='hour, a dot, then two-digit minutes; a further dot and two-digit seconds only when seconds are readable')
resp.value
10.26
